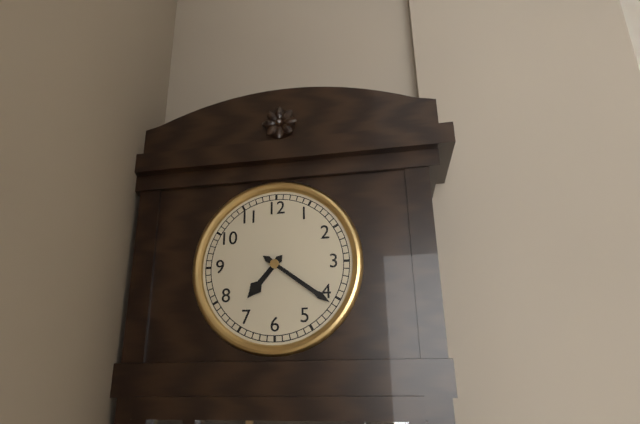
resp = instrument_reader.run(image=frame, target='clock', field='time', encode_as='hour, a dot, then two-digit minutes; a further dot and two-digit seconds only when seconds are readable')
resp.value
7.21
